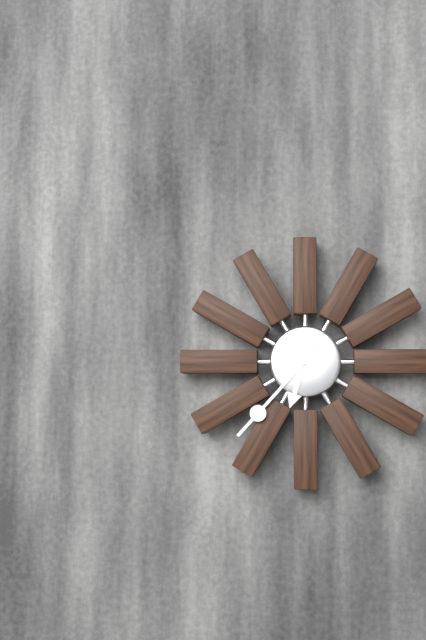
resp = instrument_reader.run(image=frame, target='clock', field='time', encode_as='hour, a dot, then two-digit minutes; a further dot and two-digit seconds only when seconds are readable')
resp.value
6.37
